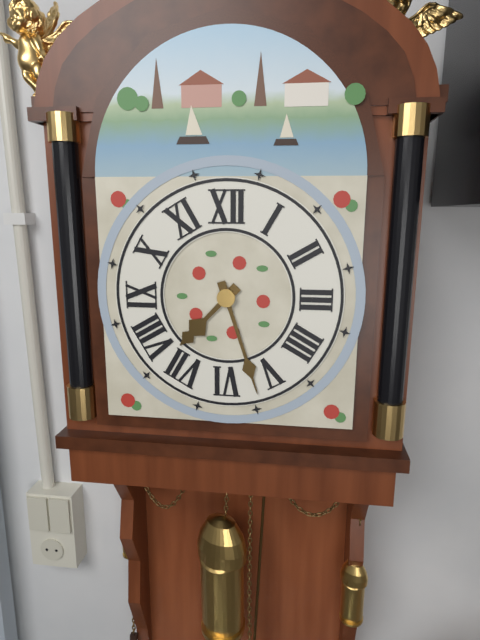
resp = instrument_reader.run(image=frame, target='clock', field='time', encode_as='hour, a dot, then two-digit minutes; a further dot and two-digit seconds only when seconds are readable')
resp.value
7.27
